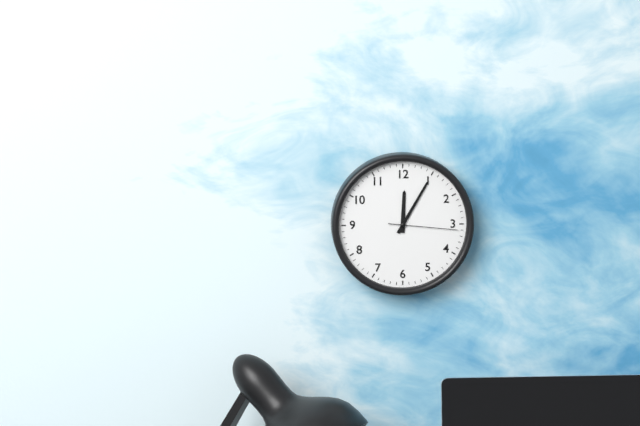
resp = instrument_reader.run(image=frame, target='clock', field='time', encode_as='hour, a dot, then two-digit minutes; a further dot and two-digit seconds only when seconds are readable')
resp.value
12.05.16
